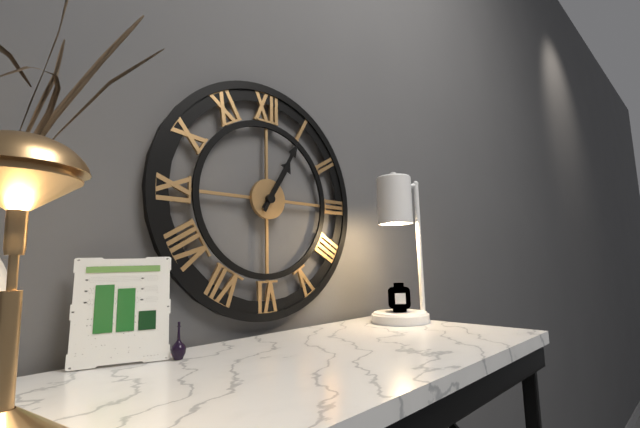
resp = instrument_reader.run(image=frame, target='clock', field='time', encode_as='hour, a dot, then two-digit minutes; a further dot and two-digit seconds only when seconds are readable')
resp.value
1.05
